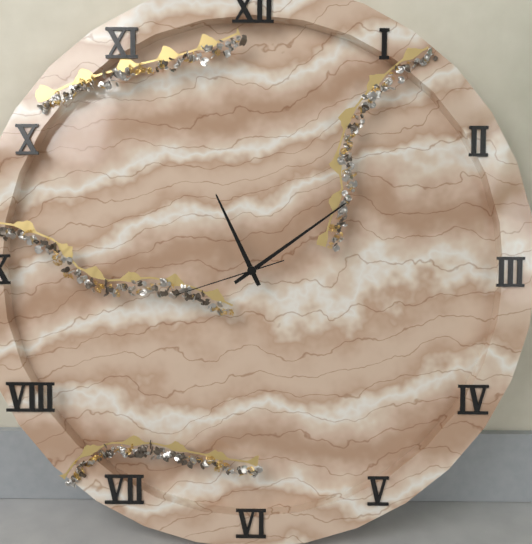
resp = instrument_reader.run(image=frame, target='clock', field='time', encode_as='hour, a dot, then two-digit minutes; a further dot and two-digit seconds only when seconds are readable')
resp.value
11.09.42
